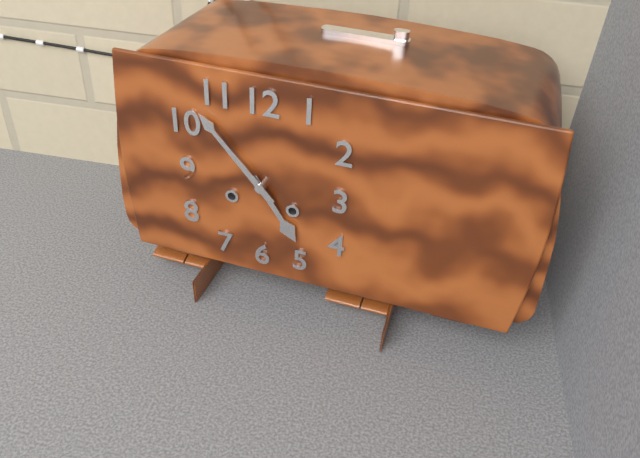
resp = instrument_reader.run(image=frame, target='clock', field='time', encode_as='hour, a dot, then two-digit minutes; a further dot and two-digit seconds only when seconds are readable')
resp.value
4.53
